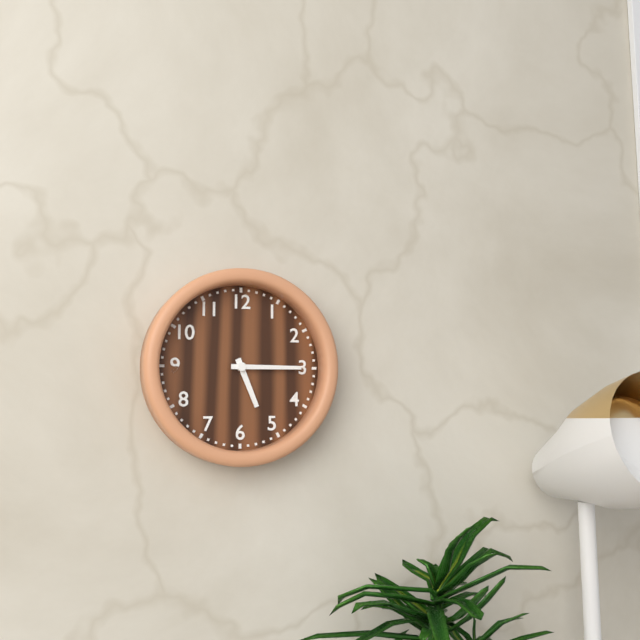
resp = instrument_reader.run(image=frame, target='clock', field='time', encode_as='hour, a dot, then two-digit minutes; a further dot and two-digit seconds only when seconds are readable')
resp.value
5.15
